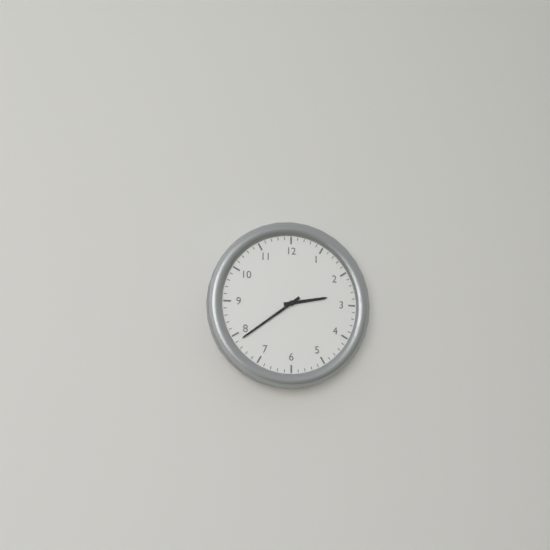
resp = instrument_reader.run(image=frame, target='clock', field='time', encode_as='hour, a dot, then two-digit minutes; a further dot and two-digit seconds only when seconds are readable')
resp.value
2.39
